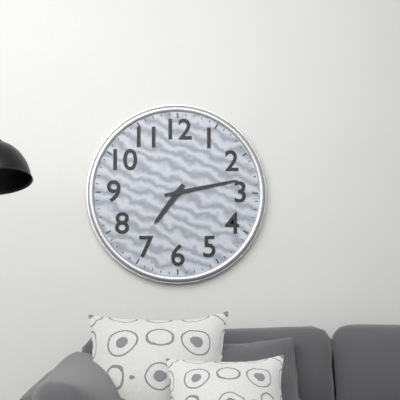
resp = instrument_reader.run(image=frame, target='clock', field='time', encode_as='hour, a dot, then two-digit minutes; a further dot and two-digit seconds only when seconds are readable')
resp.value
7.13
